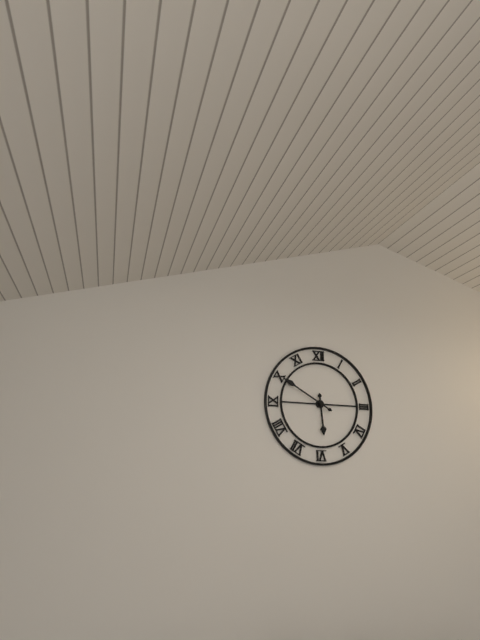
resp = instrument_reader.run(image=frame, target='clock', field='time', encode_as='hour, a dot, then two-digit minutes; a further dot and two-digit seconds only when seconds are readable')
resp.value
5.50
